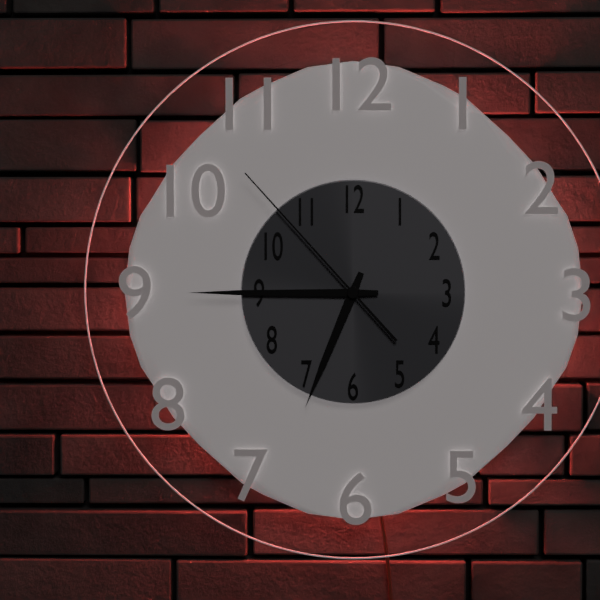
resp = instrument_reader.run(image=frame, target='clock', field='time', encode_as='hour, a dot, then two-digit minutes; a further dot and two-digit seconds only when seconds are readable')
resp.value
6.45.53
